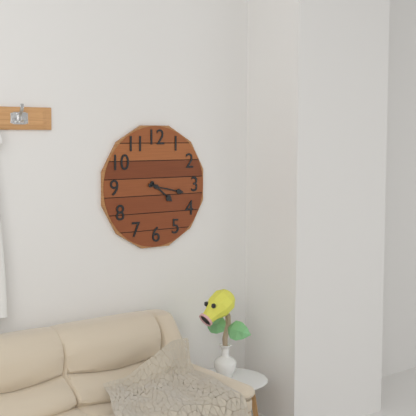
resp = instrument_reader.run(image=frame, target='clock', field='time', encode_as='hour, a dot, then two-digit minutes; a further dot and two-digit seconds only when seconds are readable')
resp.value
4.17
